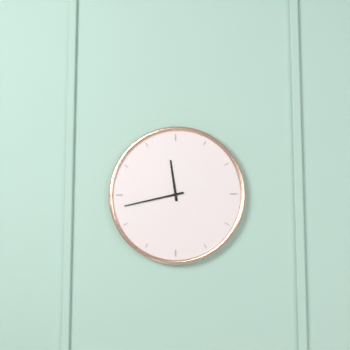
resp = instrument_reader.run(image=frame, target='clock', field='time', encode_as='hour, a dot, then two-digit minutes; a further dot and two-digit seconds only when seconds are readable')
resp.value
11.43
